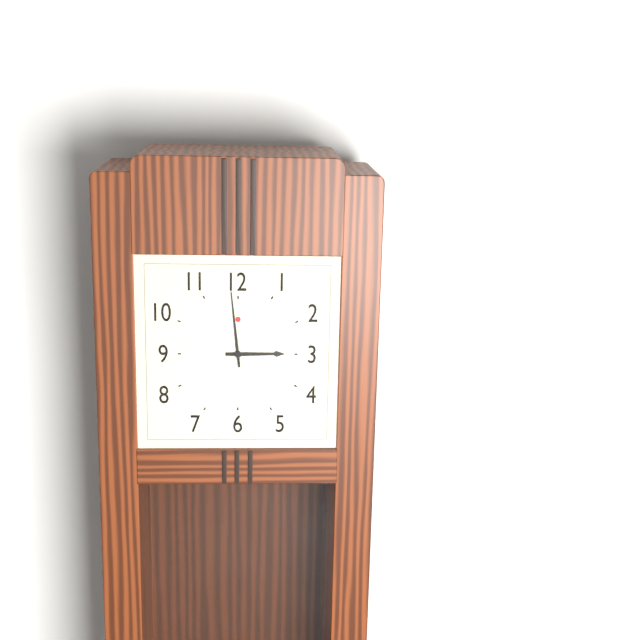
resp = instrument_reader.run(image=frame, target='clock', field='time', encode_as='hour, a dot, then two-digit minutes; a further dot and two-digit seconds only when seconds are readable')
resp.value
2.59
